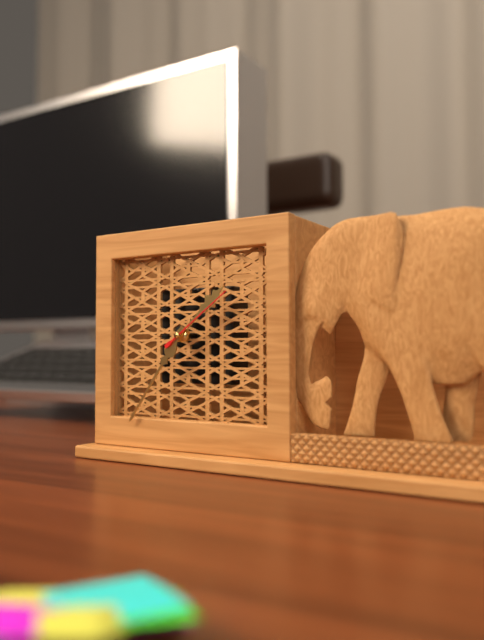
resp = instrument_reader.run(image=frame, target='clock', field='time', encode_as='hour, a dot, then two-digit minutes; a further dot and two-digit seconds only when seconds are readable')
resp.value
1.36.09
